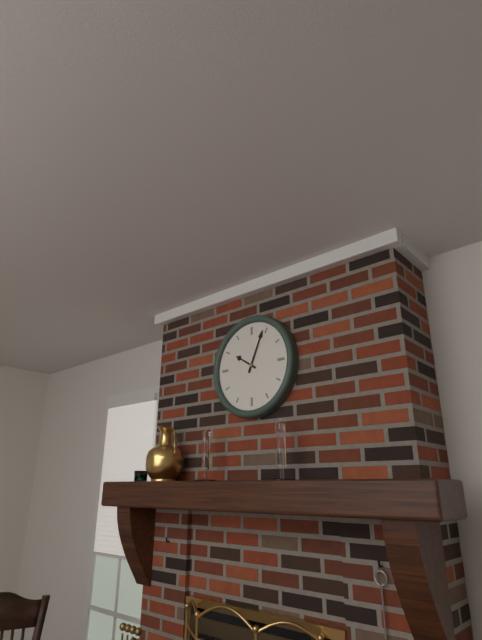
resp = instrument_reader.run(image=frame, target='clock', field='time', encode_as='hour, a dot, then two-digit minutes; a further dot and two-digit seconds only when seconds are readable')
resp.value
10.04
